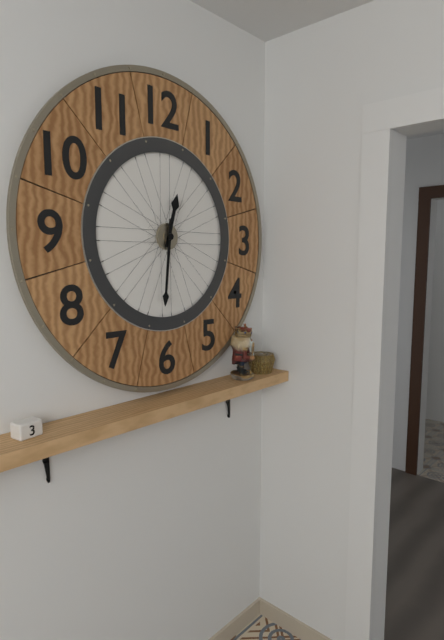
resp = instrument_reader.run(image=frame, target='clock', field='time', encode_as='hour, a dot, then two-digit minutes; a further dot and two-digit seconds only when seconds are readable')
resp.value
12.31
